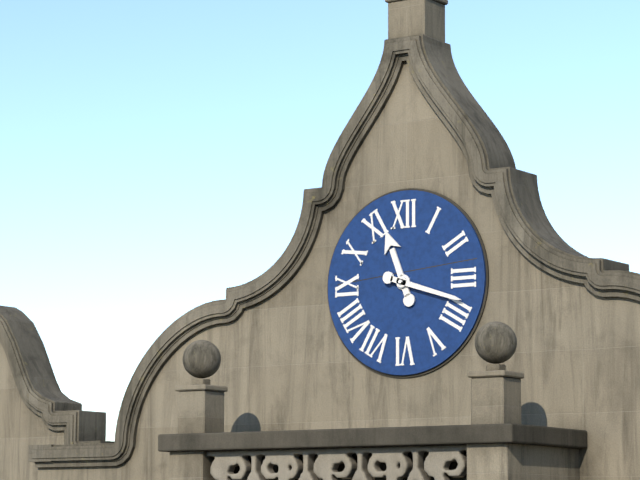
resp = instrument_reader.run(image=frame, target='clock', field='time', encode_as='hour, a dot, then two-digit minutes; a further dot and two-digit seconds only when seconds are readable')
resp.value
11.18
